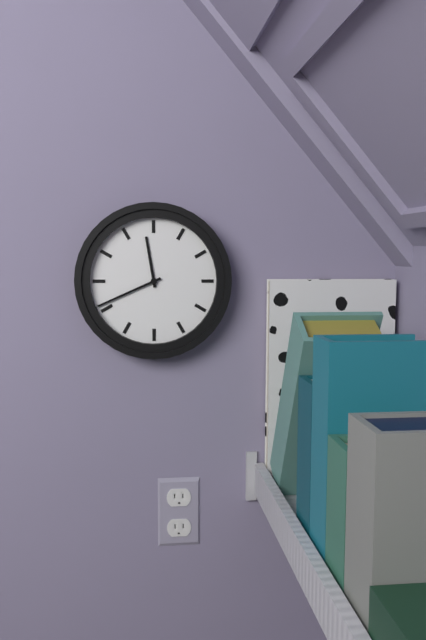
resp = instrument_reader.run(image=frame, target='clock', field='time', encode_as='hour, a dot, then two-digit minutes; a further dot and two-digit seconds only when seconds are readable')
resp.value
11.41
